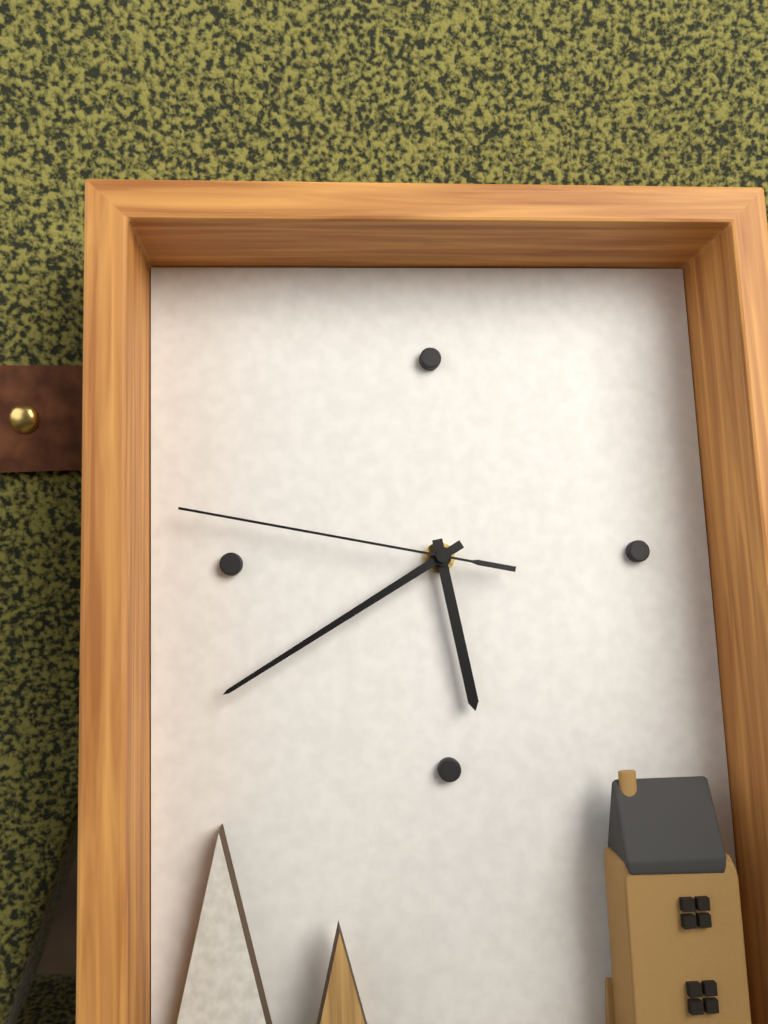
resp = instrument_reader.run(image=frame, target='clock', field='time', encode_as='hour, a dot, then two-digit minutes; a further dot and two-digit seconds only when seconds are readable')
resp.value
5.40.47
